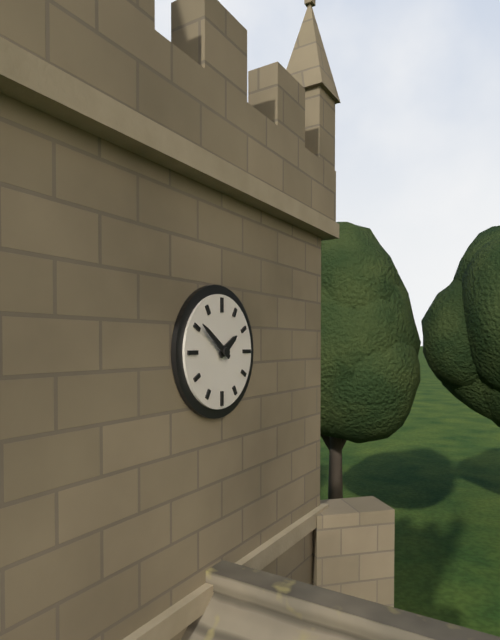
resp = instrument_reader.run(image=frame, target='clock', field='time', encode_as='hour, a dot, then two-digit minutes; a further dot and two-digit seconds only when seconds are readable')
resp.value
1.51
